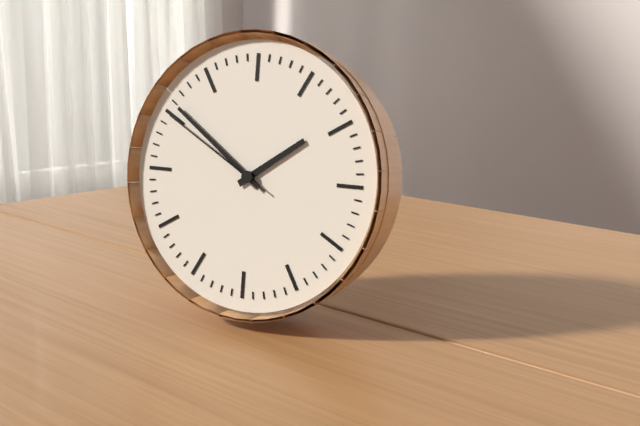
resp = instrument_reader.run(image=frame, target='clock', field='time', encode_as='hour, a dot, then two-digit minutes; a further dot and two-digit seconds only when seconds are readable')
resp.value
1.51.50
